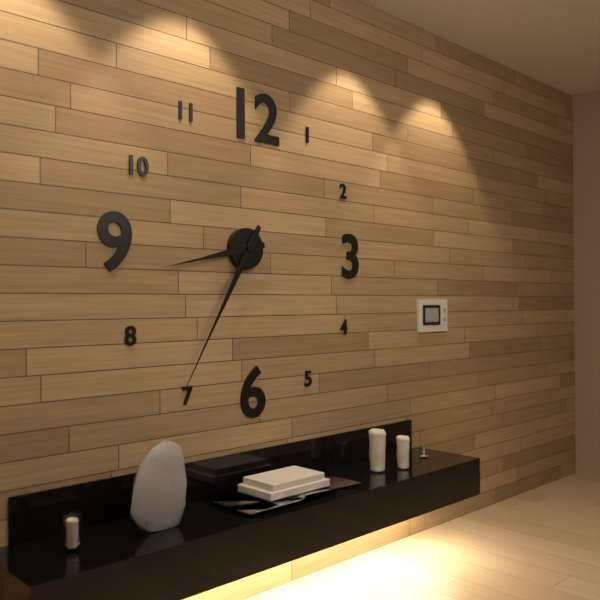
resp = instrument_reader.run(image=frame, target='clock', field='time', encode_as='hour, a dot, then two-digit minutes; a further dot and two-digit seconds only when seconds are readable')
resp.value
8.35
